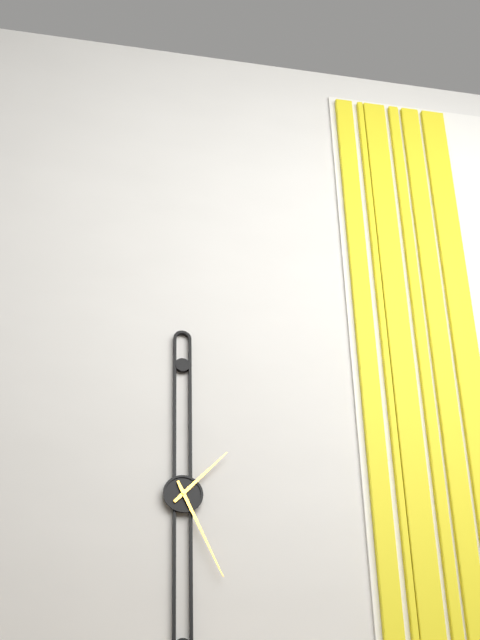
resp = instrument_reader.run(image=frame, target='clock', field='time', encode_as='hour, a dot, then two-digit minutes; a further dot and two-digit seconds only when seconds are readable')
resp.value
1.26
